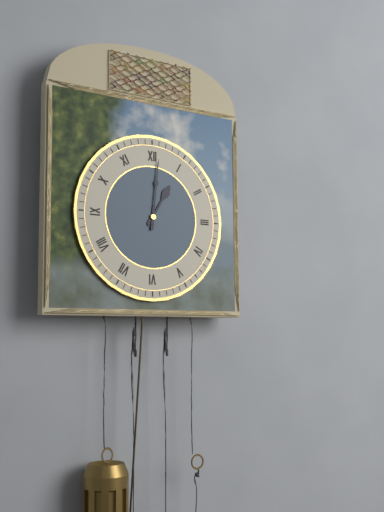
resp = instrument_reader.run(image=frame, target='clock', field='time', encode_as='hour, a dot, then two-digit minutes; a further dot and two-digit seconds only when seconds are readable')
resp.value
1.01
